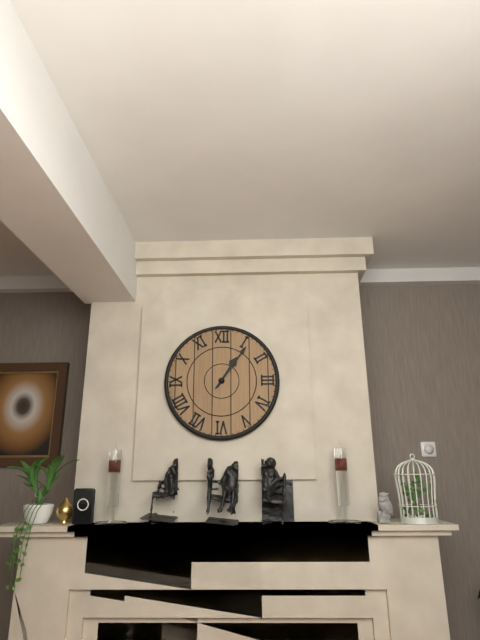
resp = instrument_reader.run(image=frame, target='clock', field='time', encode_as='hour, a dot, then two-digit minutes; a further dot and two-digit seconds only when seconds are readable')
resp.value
1.06
